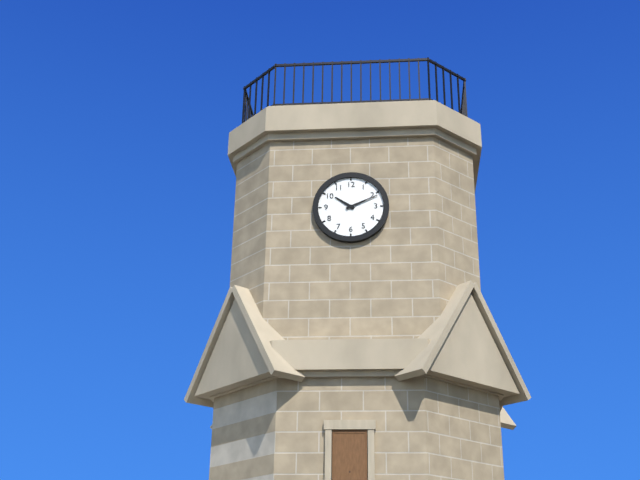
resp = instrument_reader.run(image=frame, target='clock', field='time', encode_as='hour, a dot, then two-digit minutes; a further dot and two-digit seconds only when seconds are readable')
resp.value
10.11
